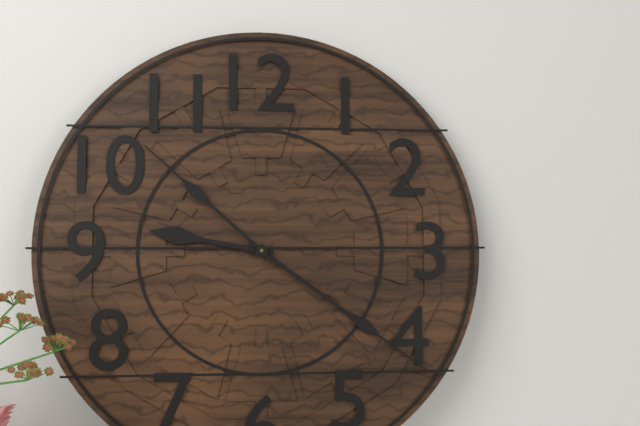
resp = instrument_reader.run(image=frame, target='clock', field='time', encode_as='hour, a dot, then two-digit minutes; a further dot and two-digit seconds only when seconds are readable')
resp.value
9.21.52
